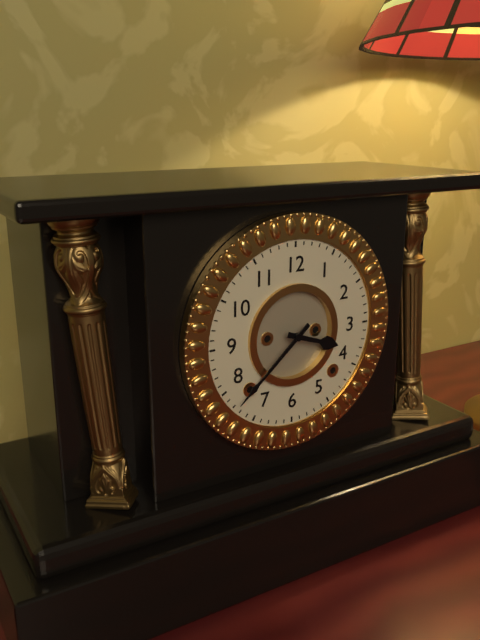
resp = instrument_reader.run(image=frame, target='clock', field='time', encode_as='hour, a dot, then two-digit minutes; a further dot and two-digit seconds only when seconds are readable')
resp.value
3.38
